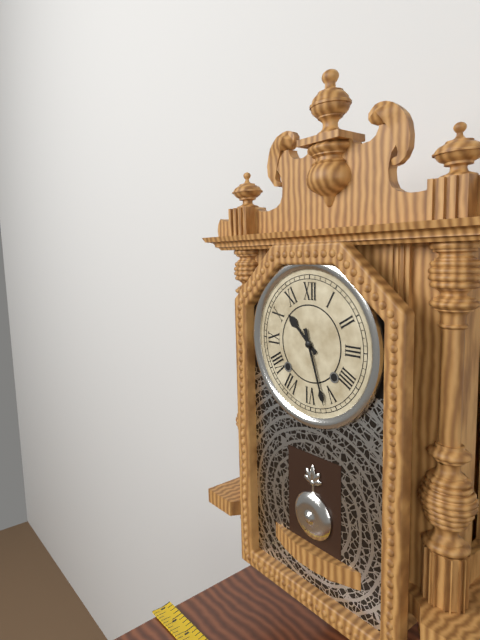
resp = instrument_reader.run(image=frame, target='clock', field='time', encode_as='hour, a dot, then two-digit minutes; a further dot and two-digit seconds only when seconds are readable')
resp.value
10.27
